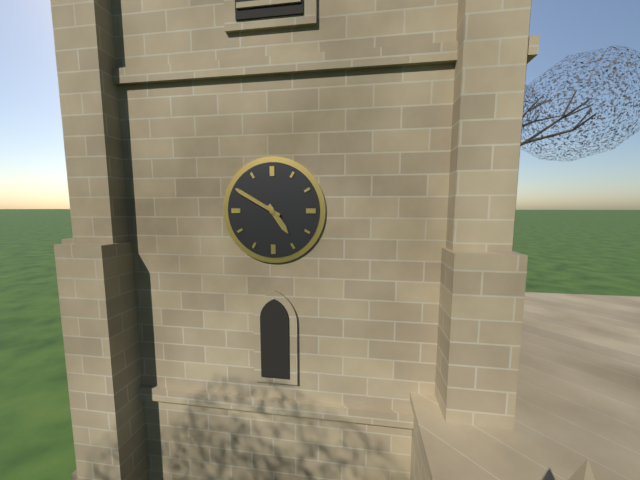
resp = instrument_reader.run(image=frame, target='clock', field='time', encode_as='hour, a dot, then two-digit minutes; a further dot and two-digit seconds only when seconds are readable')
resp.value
4.50
